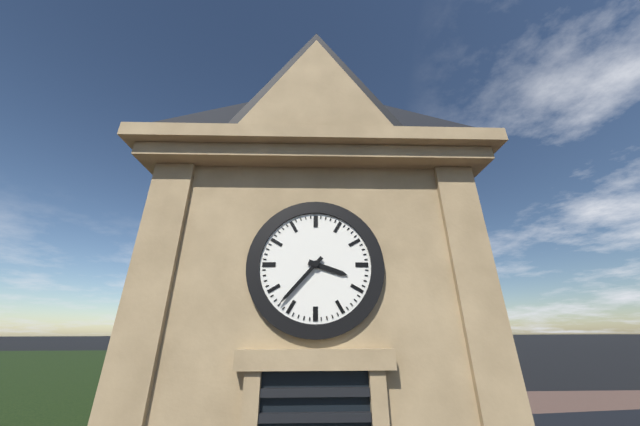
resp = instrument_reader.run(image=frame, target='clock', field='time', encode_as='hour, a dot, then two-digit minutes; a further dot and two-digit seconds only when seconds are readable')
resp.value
3.37
